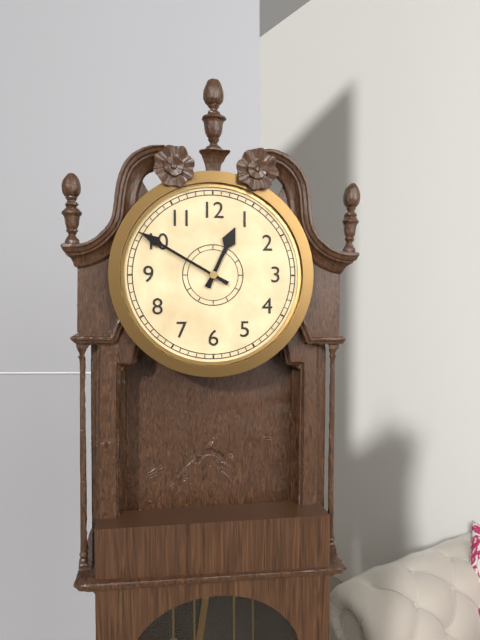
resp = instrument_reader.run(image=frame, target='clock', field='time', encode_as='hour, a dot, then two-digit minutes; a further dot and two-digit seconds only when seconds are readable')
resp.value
12.50
